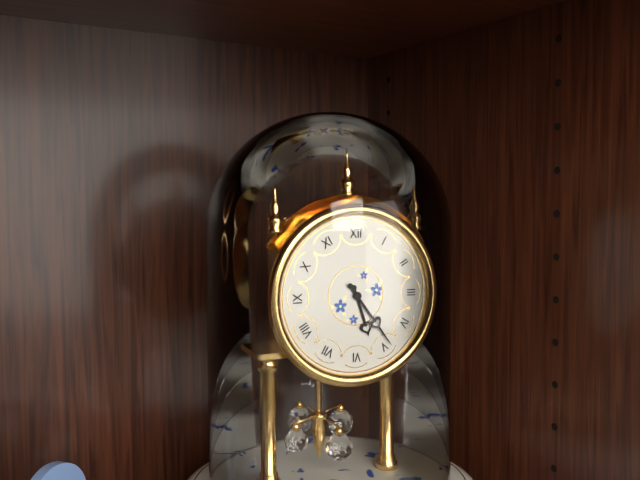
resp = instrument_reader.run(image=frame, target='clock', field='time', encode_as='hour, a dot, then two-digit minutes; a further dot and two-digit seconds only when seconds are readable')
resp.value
5.24
